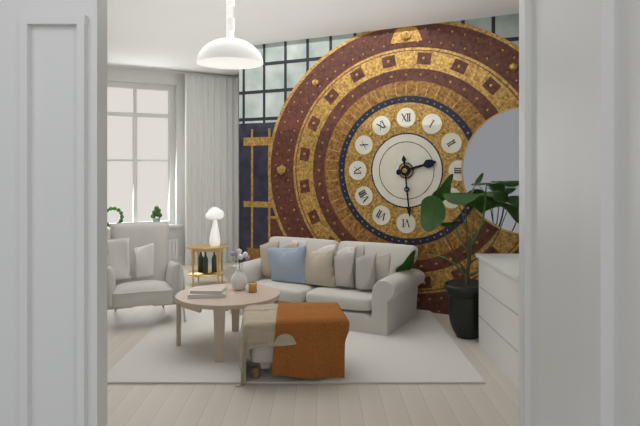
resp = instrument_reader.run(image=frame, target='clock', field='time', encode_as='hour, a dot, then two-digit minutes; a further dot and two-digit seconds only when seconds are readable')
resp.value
2.29
